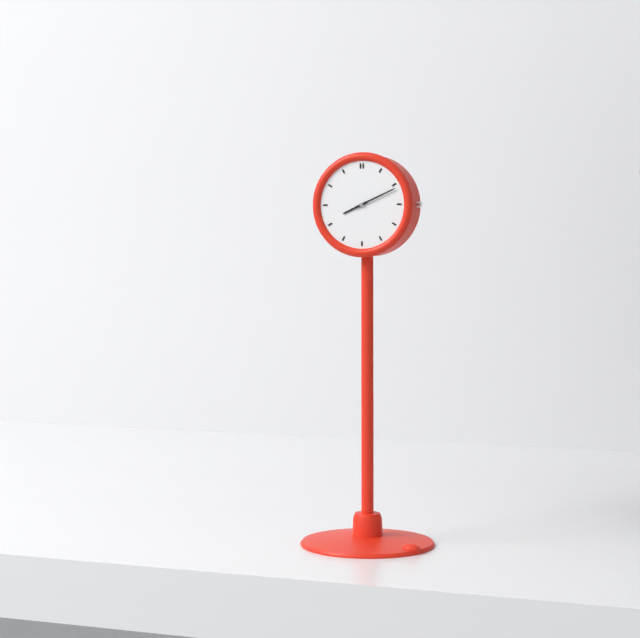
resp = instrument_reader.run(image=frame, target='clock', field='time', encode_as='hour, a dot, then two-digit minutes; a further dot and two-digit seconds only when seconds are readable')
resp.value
8.11
